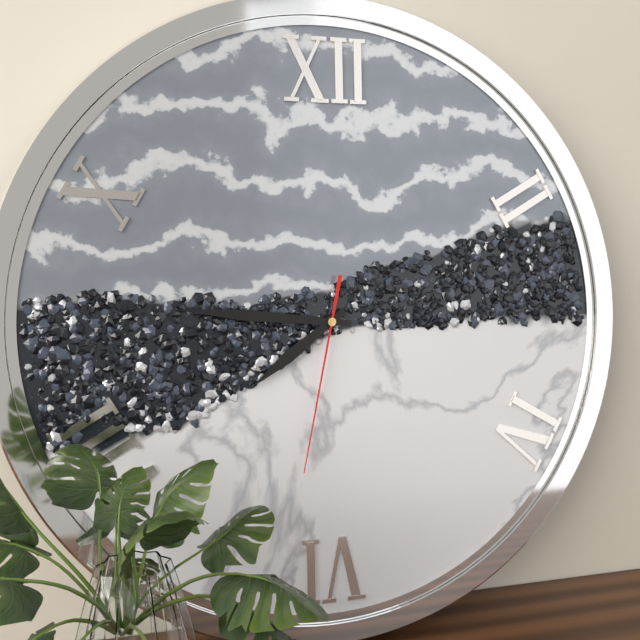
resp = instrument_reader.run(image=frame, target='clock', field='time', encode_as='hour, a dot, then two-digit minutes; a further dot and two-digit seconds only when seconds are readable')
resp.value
7.46.32
